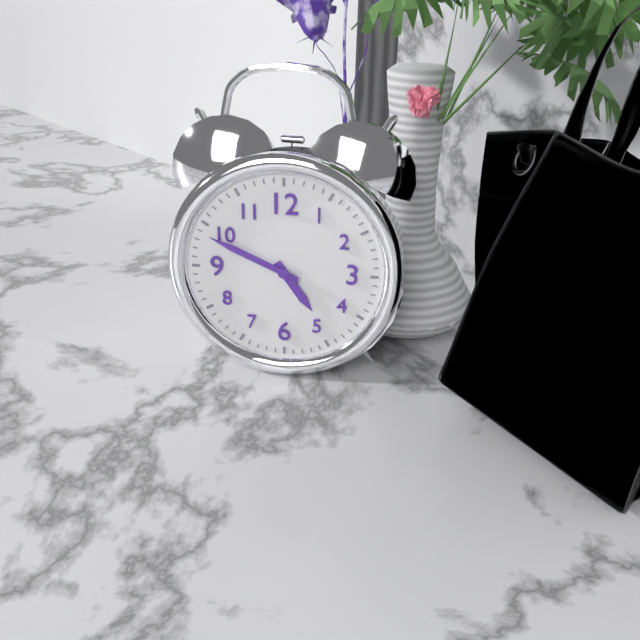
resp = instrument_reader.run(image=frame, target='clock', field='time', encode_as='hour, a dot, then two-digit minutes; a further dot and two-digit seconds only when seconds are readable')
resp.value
4.49
